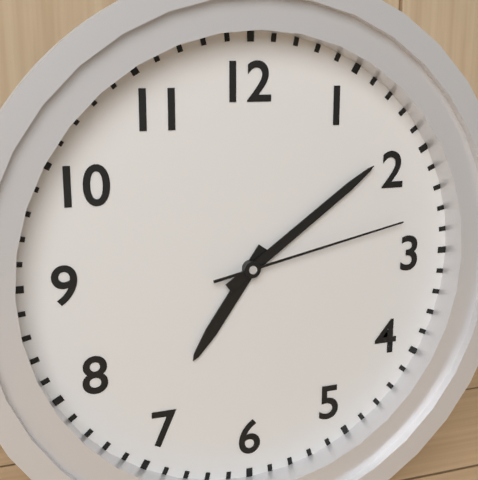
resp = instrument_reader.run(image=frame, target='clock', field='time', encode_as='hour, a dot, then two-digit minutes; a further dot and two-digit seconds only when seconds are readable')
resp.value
7.09.13
